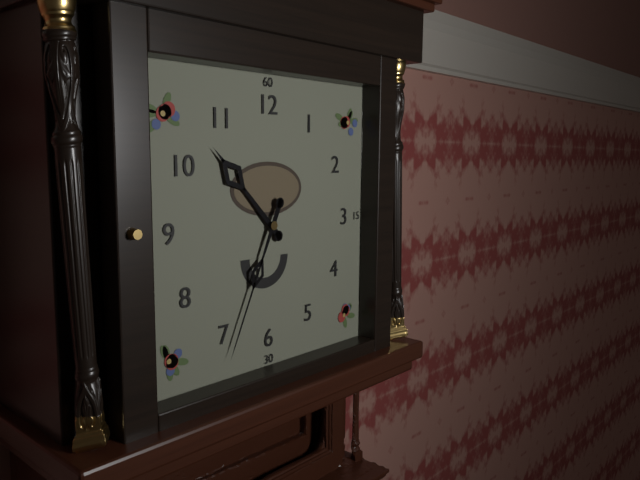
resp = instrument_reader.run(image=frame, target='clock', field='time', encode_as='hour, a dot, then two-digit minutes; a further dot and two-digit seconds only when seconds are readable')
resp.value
10.34
